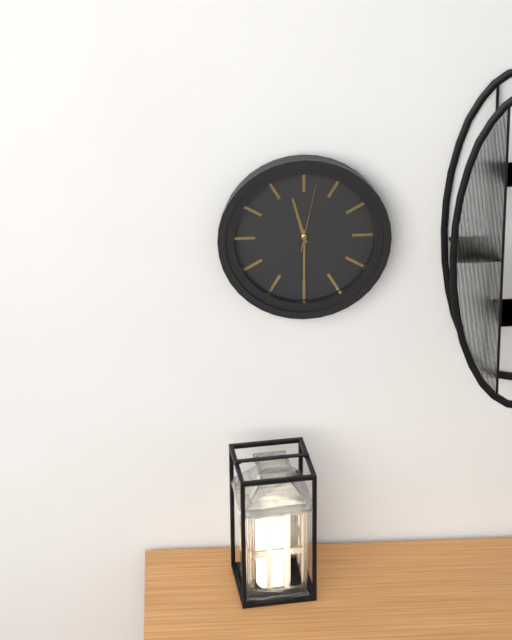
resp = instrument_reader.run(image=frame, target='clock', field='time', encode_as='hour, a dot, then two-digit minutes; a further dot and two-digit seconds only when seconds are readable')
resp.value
11.30.02
